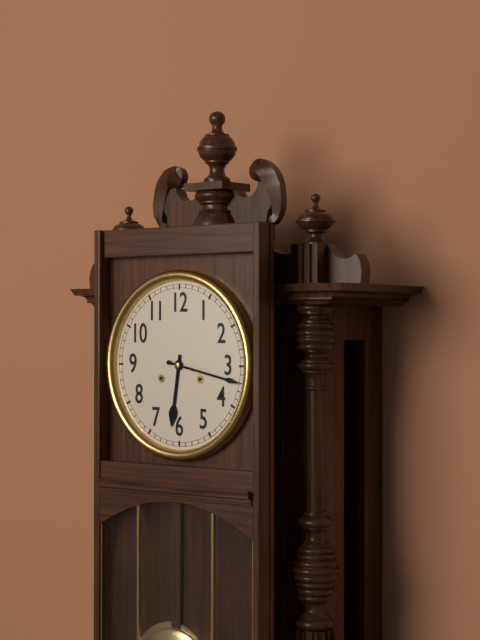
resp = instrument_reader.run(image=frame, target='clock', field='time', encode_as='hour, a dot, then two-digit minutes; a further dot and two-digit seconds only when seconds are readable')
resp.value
6.17
